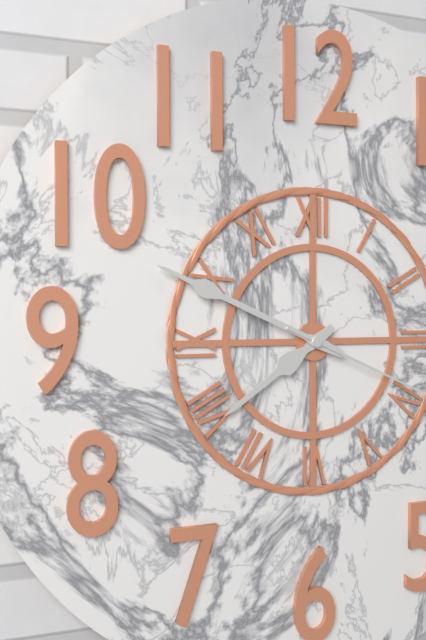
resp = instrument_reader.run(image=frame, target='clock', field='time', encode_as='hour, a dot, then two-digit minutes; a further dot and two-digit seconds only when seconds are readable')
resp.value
7.49
